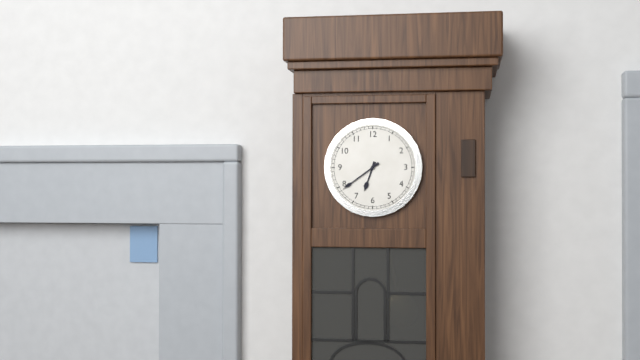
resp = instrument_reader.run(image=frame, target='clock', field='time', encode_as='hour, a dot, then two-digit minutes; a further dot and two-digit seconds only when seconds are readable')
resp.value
6.39
